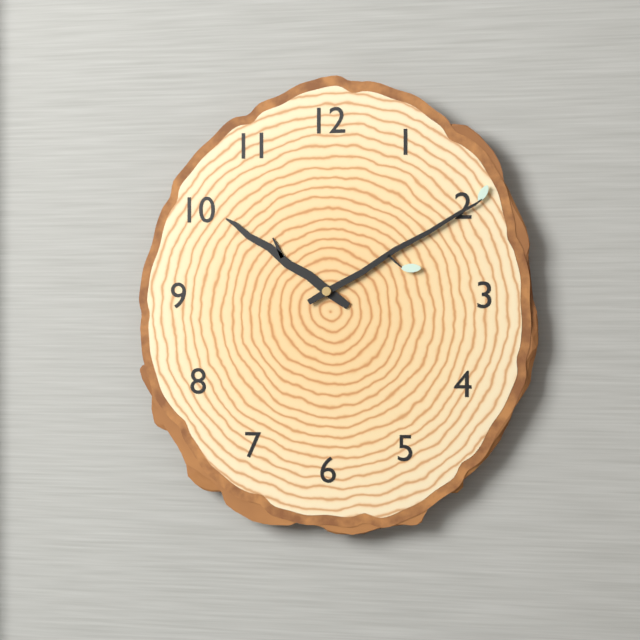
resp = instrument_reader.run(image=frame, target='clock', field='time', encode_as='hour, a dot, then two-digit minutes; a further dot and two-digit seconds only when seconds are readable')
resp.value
10.10
